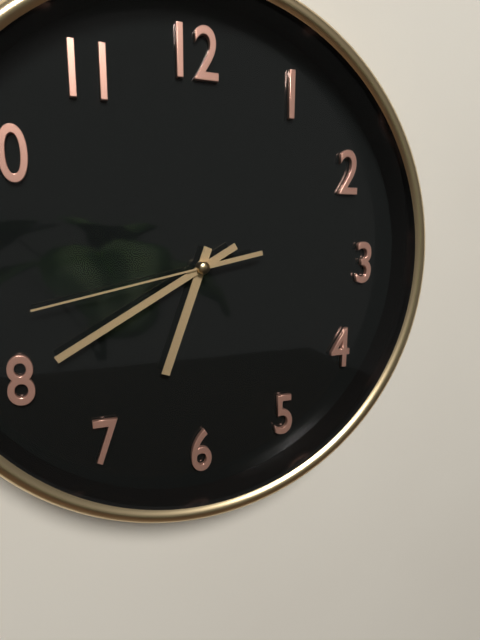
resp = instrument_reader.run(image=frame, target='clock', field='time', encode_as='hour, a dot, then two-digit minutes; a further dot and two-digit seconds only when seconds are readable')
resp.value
6.40.43
